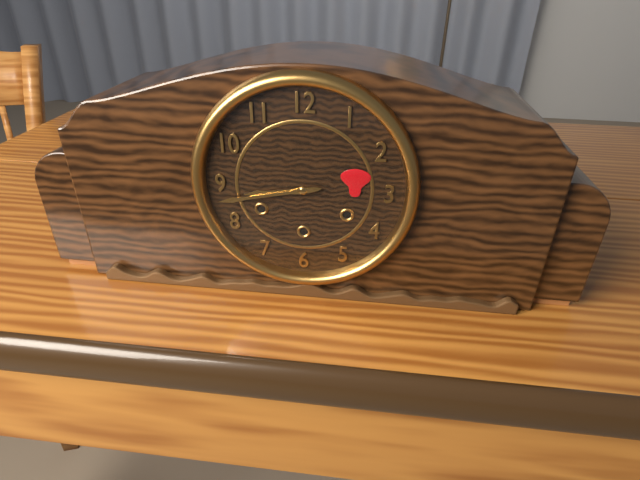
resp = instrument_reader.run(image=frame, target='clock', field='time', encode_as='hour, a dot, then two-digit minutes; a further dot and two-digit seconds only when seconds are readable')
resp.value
8.43
